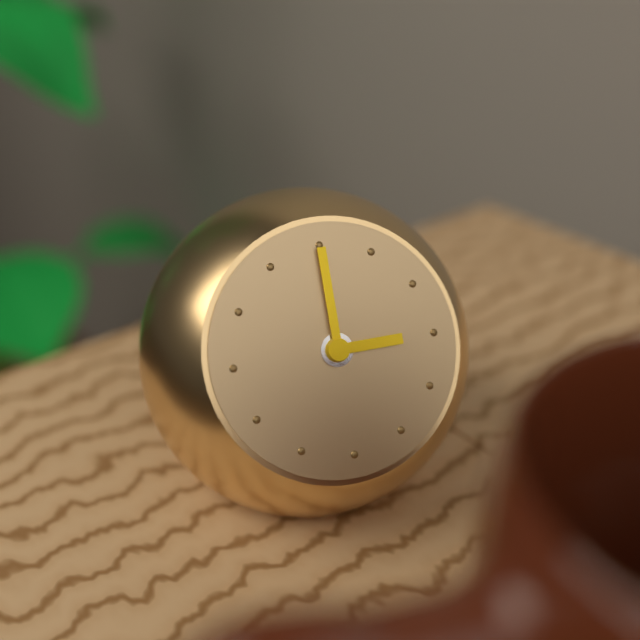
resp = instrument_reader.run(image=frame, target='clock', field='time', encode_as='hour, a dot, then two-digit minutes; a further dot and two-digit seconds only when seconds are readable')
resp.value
3.00
